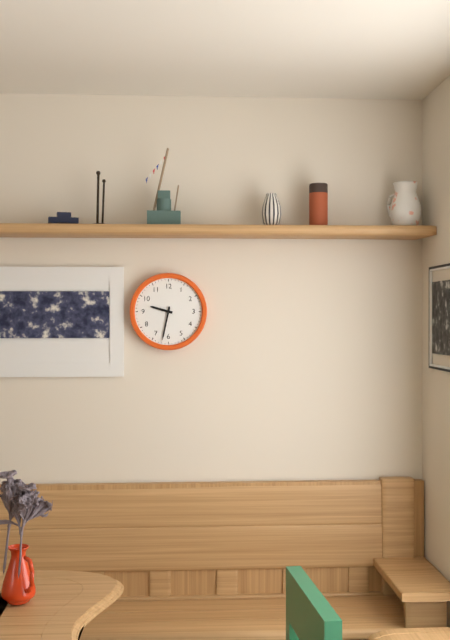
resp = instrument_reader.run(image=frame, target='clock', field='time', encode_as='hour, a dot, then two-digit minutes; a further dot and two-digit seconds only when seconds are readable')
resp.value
9.32
